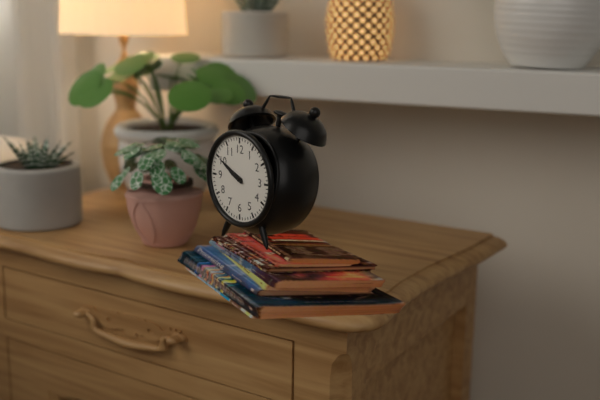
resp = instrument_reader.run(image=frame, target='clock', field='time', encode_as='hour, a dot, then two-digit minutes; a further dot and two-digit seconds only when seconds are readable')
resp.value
9.50
